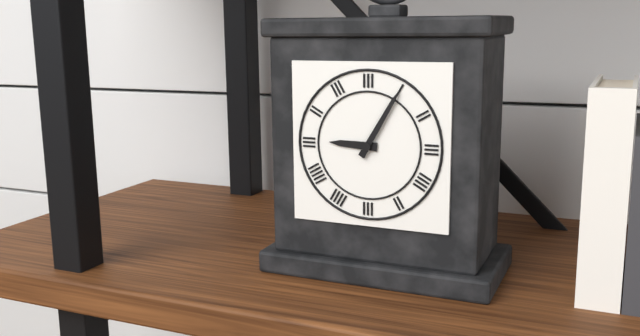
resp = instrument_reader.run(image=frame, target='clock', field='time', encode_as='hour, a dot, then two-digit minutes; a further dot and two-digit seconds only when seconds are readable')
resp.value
9.05
